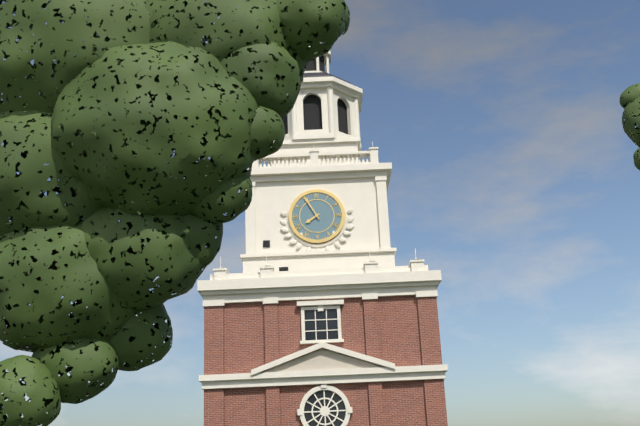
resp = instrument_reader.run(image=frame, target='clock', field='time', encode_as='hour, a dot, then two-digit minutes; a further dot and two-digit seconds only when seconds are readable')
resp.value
7.55
